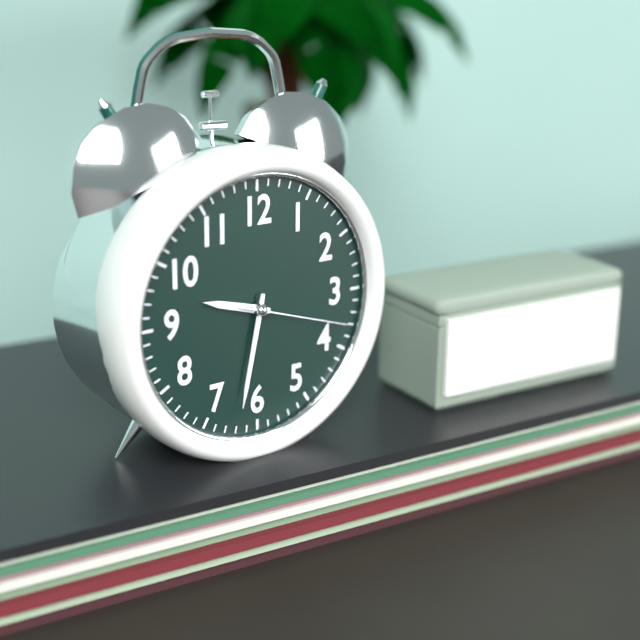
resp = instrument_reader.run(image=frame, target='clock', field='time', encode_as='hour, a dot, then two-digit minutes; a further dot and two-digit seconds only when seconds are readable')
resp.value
9.32.18
